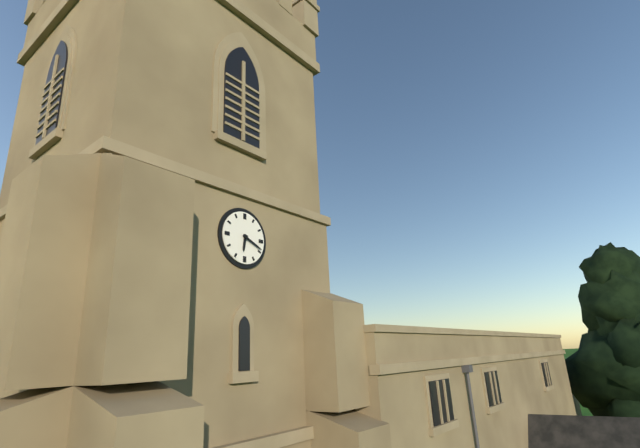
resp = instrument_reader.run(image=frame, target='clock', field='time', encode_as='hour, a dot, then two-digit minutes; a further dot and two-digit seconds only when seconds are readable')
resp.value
6.19
